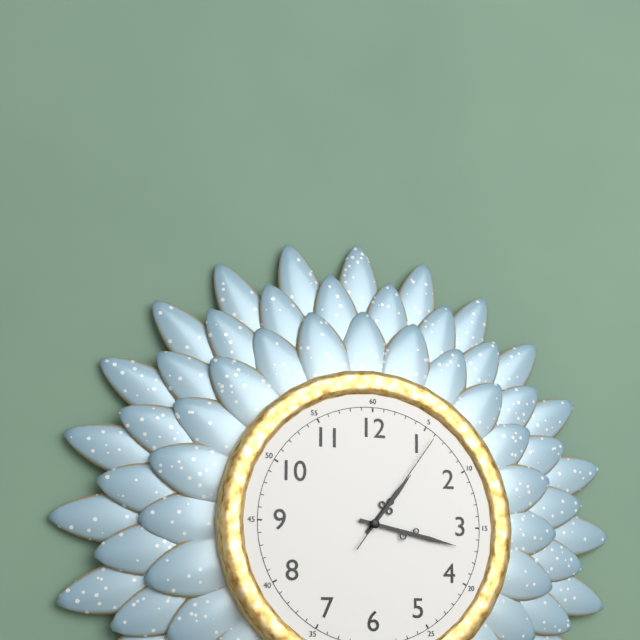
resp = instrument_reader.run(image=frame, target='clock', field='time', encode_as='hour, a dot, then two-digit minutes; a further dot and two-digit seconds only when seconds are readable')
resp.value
1.17.06
